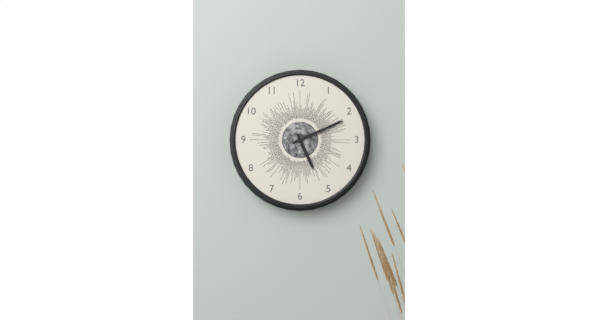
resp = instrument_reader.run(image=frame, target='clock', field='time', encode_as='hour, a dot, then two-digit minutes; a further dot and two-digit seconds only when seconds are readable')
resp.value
5.11
